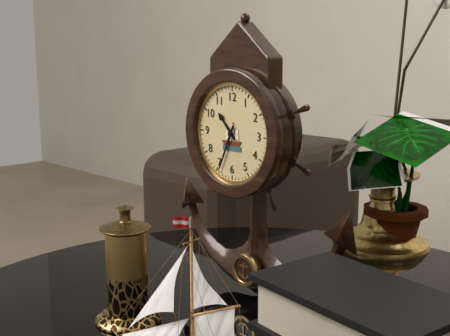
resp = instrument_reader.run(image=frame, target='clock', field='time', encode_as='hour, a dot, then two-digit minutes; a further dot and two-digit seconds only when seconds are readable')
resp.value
10.34
